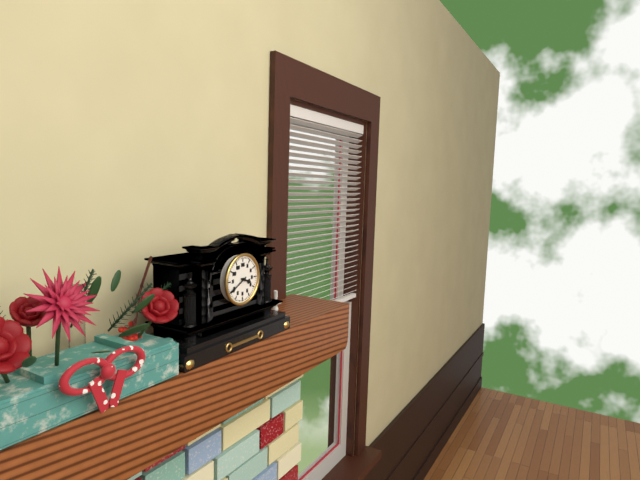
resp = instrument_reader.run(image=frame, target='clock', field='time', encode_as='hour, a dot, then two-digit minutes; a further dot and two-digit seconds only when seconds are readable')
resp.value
3.40
